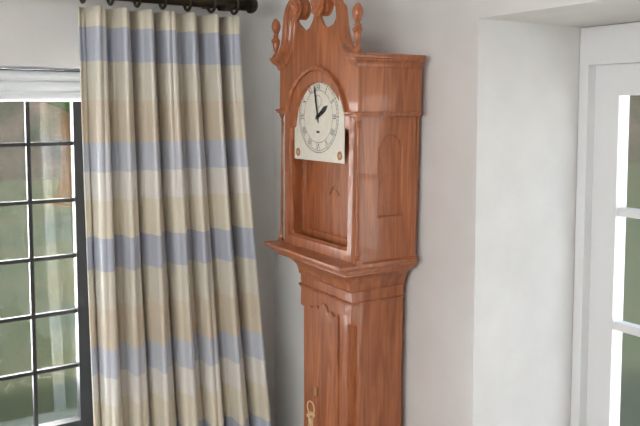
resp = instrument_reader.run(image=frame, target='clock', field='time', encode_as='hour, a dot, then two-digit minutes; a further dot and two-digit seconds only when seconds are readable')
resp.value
1.58
